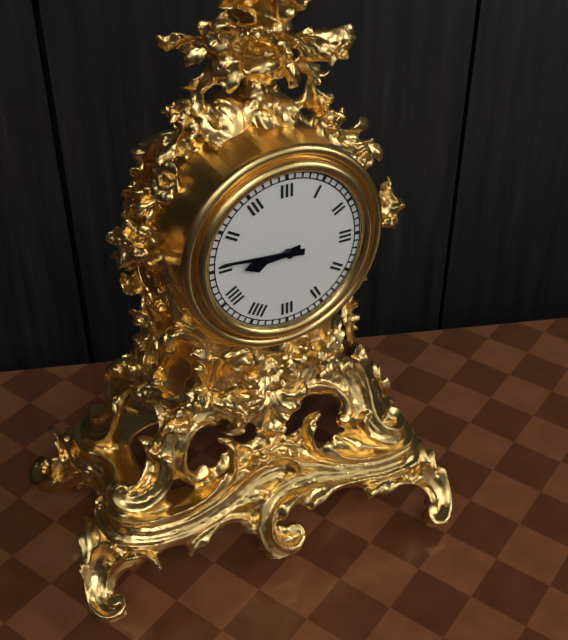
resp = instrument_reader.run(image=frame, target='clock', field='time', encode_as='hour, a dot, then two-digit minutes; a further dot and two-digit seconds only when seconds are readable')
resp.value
8.46
